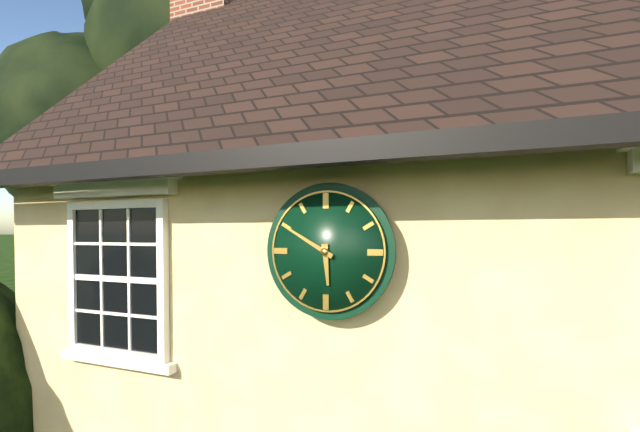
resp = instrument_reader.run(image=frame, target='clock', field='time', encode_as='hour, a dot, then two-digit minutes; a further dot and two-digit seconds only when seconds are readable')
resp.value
5.50
